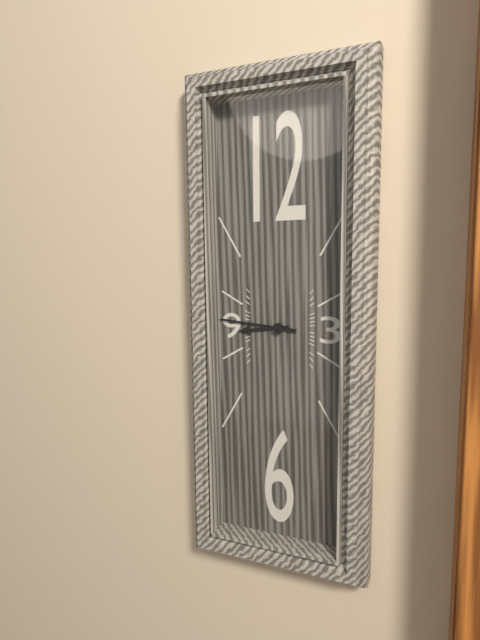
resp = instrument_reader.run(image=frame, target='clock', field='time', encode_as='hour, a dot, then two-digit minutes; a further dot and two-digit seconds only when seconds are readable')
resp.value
8.46
